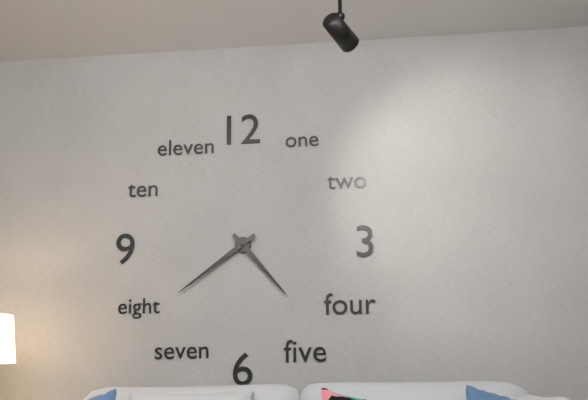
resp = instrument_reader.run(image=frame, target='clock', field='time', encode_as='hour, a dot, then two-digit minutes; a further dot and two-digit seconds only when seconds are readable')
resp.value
4.39
